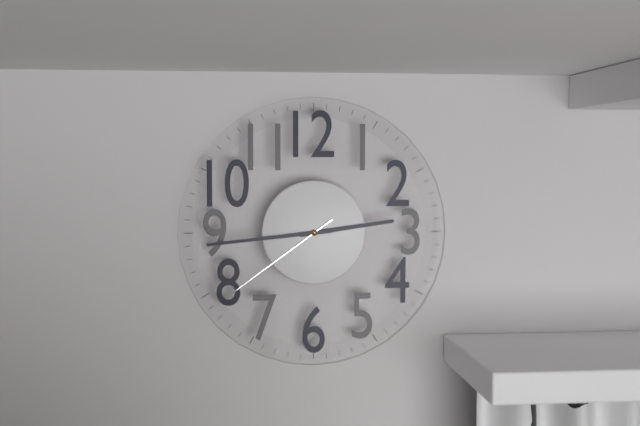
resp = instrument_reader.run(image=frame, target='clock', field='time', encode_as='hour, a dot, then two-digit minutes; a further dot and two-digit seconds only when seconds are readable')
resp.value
2.44.39
